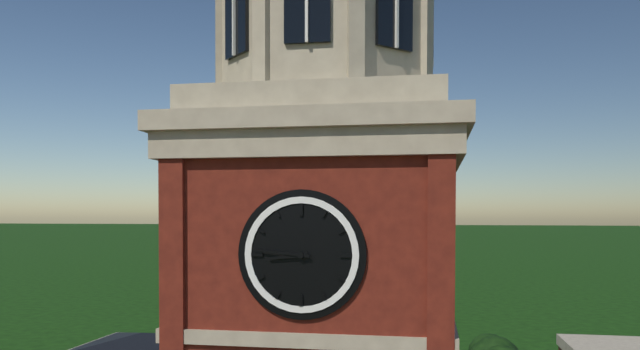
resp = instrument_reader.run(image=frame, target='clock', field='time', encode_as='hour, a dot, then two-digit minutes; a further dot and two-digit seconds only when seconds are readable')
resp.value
8.46
